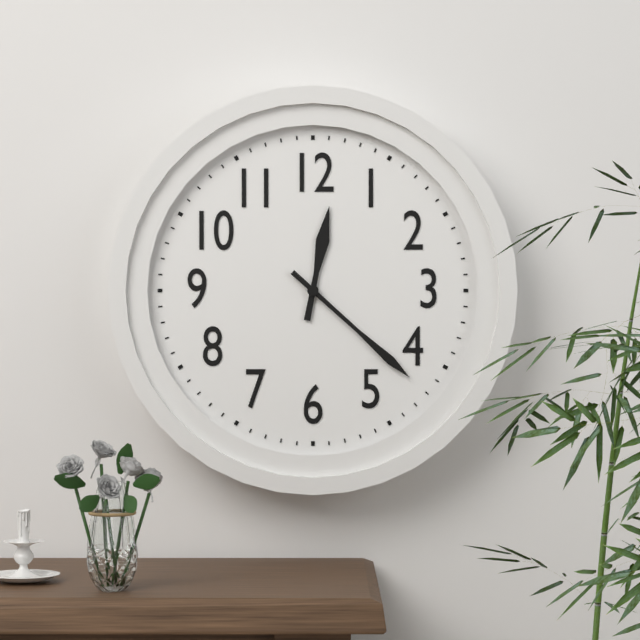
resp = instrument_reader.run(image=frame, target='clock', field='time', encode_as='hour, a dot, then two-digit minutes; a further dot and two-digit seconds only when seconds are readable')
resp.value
12.22
